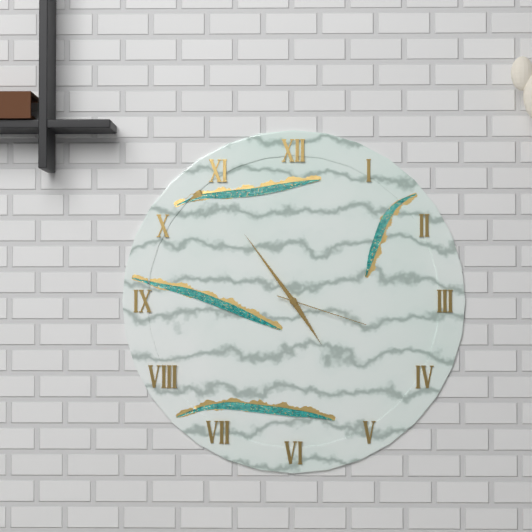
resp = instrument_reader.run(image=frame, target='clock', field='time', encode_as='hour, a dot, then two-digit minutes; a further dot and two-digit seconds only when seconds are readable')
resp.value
4.54.18
